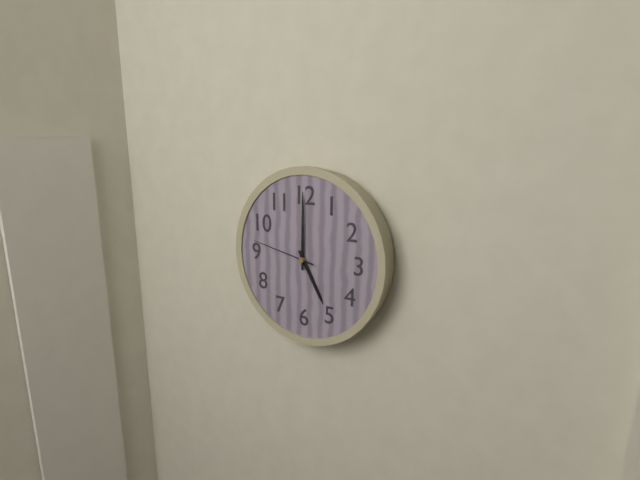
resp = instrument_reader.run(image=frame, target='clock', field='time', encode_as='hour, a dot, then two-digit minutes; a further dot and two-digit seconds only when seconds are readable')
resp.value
5.00.47
